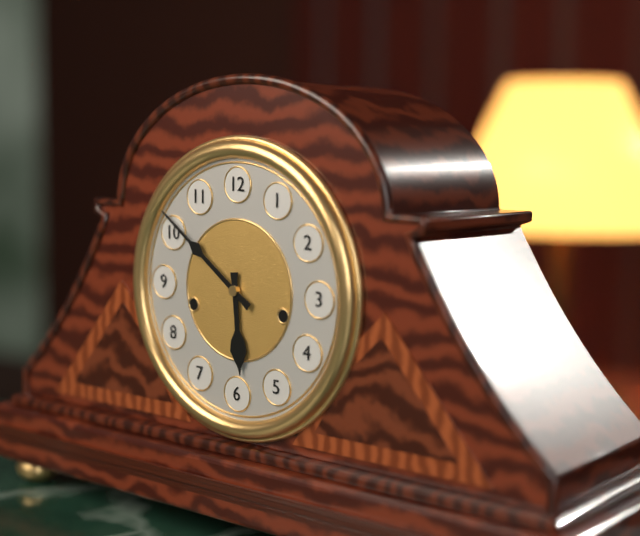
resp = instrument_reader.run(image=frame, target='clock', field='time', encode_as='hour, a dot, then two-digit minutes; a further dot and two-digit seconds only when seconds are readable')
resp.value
5.51
